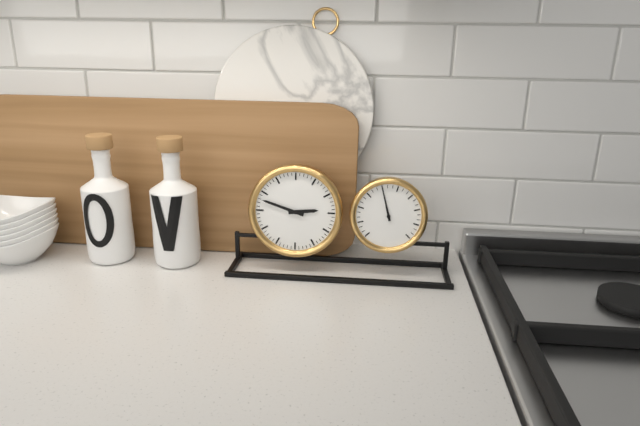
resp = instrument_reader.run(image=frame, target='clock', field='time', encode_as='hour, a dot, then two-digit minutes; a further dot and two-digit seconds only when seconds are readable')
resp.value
2.48
